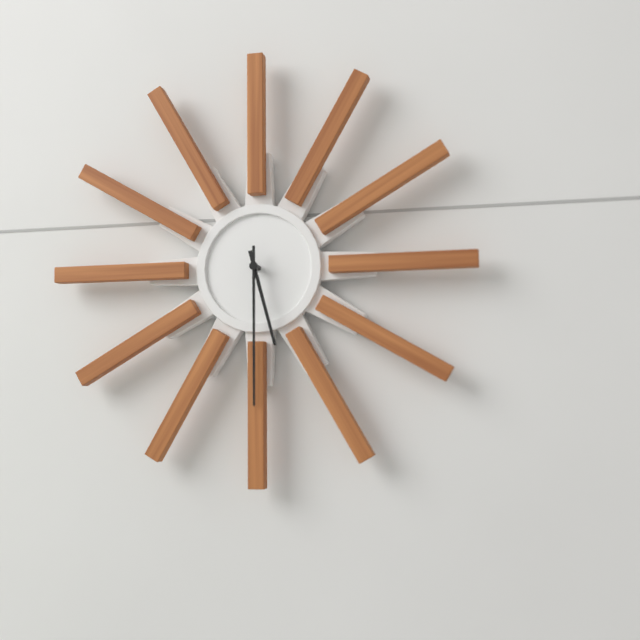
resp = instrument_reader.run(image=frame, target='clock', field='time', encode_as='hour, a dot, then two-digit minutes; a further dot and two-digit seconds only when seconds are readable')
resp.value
5.30
